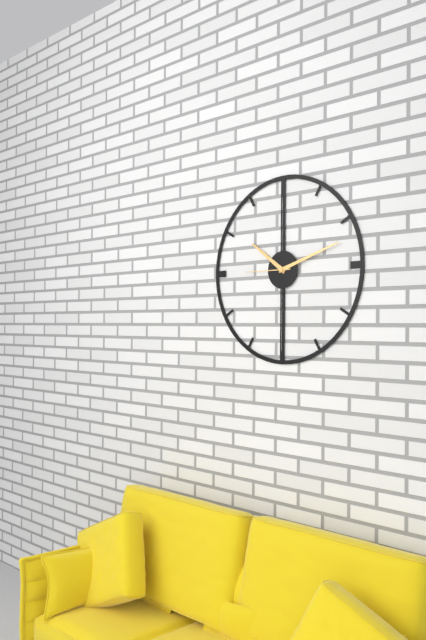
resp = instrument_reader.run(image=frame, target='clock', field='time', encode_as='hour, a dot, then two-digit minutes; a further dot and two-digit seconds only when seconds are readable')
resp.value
10.12
